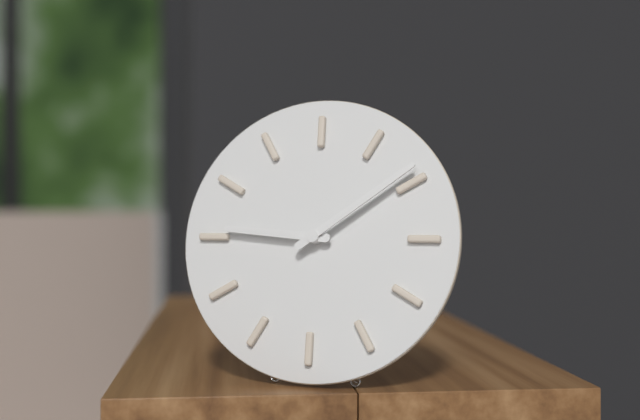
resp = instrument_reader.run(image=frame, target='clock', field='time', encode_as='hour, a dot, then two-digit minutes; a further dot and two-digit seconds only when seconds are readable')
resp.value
9.09
